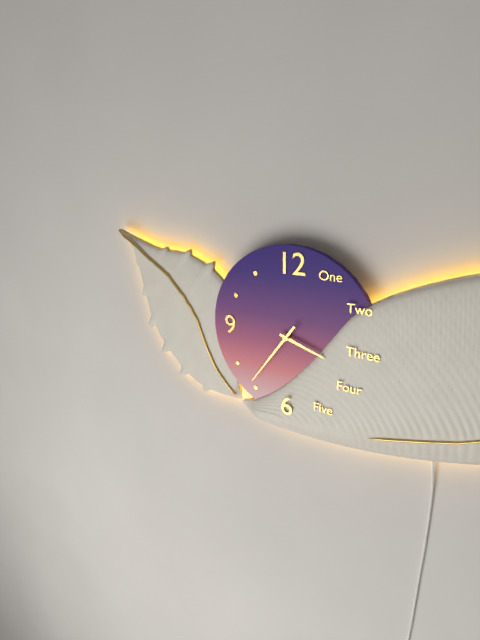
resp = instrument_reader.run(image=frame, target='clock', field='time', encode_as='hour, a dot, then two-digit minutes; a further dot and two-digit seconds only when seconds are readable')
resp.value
3.36
